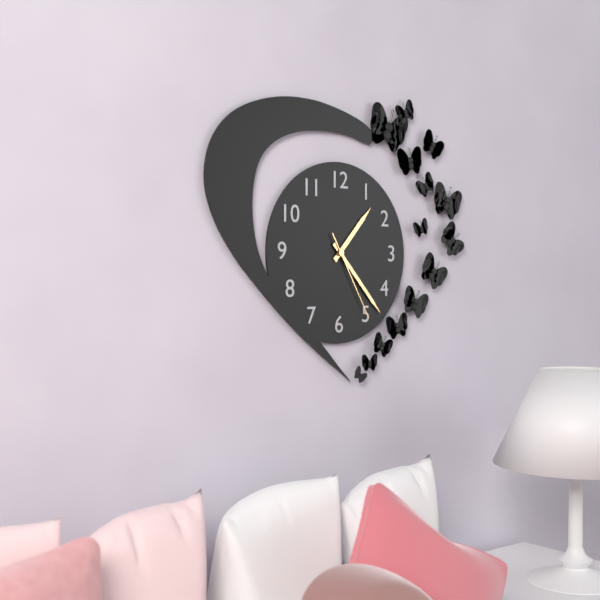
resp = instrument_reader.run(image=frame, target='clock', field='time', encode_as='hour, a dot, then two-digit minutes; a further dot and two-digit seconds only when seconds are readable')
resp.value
1.23.25
